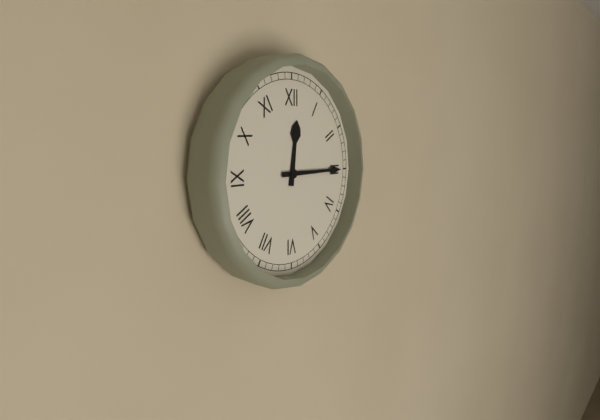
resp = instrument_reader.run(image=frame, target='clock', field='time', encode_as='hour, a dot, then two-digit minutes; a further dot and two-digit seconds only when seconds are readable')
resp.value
12.15
